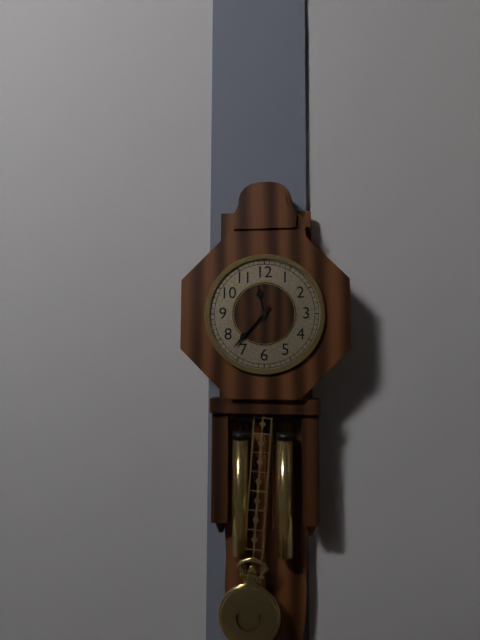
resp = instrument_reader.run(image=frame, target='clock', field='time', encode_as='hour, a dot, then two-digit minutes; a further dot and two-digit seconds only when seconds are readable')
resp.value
11.37
